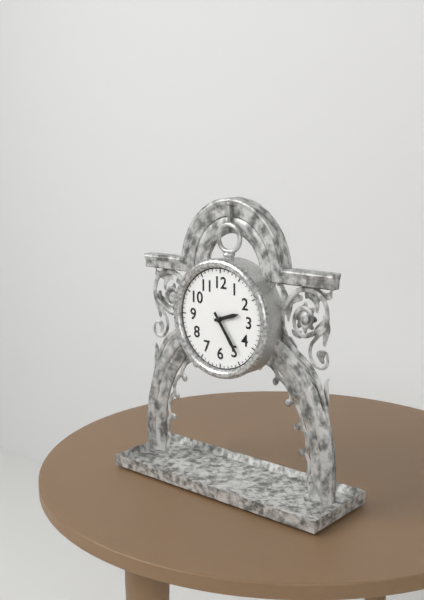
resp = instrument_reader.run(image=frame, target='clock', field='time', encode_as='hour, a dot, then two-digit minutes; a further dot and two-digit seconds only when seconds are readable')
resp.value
2.24
